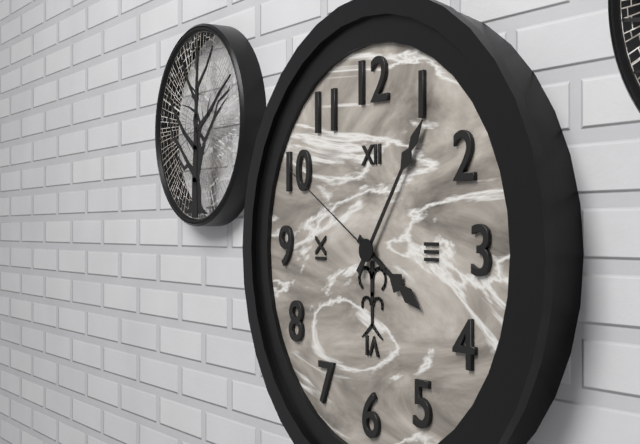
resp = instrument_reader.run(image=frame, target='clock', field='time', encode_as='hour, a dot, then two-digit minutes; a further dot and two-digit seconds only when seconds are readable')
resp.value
4.06.50
